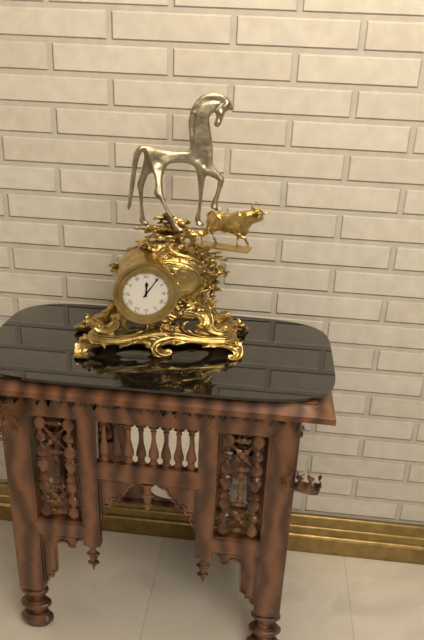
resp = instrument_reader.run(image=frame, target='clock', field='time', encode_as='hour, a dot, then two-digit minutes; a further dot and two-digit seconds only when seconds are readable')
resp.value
12.06
